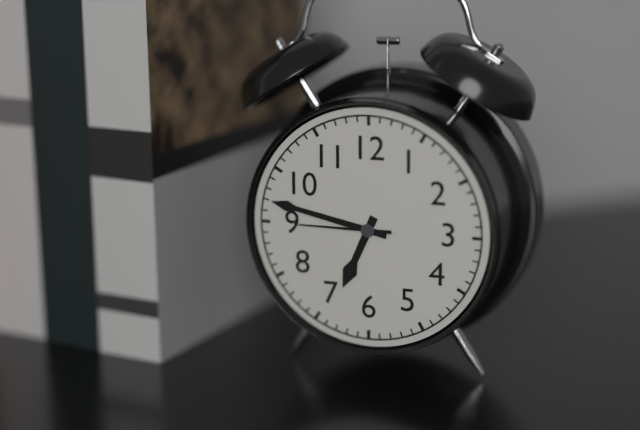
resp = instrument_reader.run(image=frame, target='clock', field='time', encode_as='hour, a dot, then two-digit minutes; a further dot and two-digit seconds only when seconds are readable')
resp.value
6.47.45
